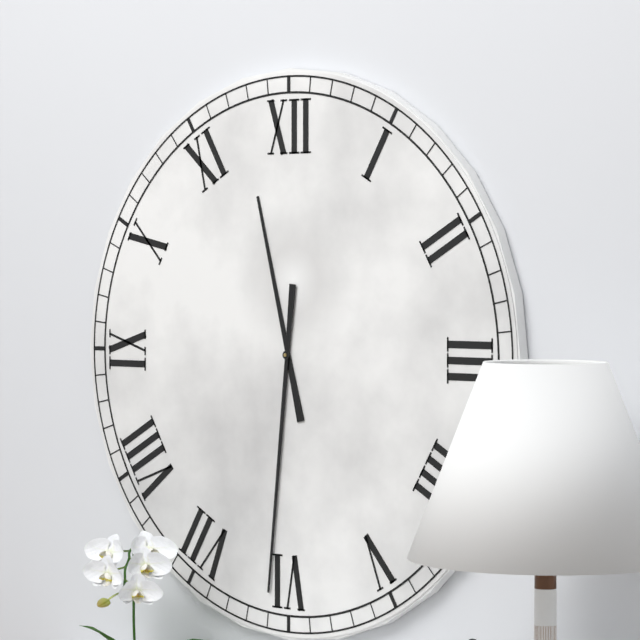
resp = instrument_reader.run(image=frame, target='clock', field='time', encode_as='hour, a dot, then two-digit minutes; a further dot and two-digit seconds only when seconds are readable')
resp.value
11.31
